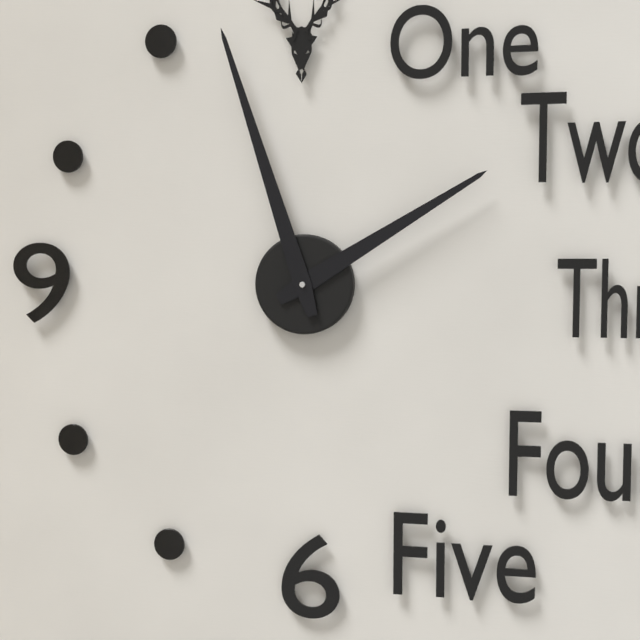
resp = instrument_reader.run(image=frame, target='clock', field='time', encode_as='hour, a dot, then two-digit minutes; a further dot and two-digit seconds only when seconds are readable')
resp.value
1.57
